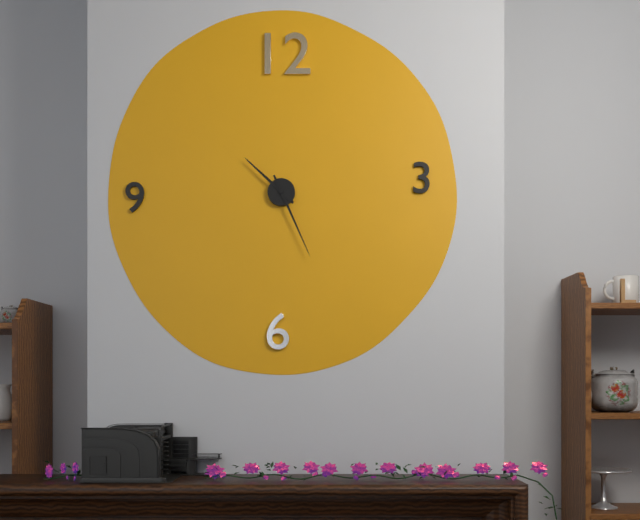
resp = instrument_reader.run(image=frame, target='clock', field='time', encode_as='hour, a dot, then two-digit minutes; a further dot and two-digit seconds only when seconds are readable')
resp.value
10.26
